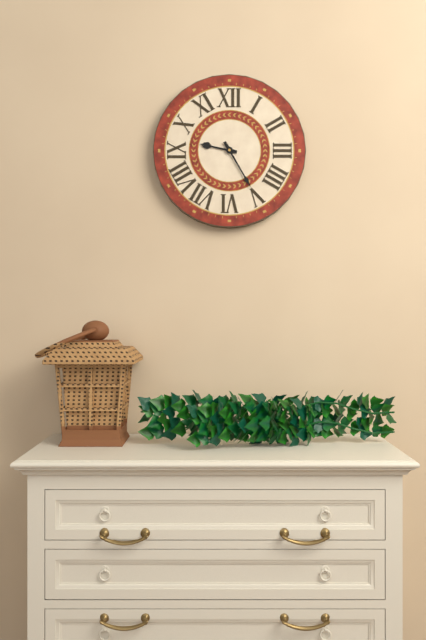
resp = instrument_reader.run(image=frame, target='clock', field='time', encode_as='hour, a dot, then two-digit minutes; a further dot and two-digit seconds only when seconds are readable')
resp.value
9.25
